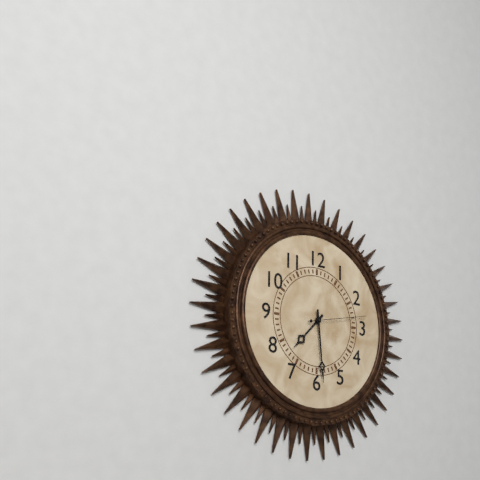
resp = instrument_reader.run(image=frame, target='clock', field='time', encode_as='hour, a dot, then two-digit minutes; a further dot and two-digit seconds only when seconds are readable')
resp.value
7.29.13
